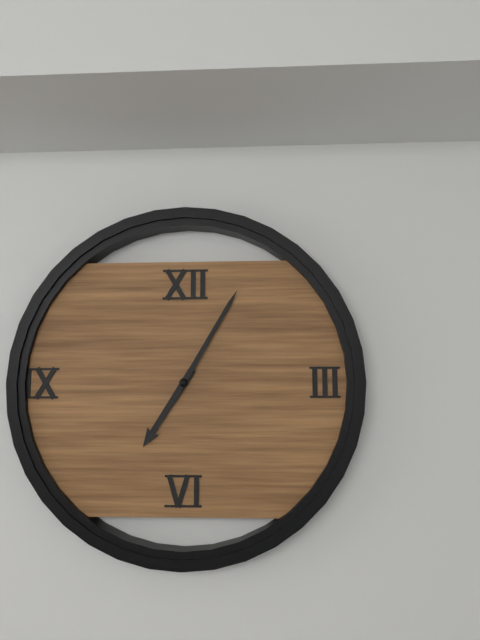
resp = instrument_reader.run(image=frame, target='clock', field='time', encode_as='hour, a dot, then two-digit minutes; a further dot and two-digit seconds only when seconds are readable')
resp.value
7.05
